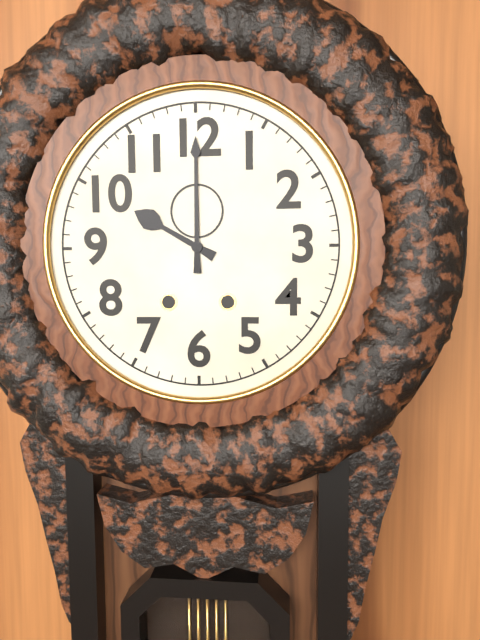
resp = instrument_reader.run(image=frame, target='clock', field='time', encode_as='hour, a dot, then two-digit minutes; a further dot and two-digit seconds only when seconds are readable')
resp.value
10.00
